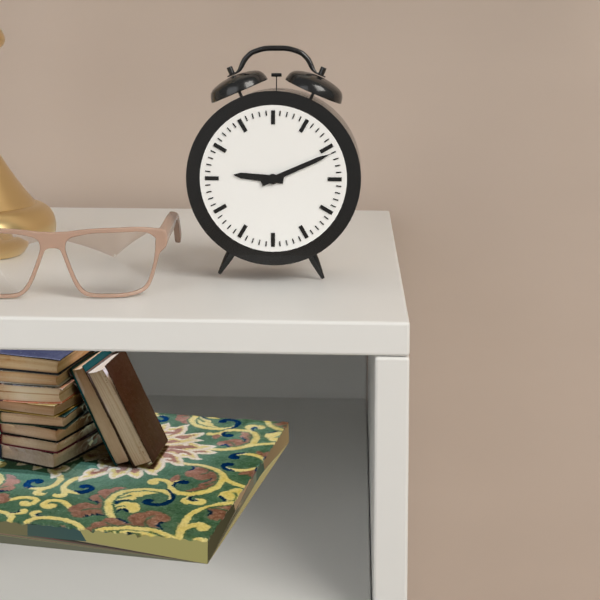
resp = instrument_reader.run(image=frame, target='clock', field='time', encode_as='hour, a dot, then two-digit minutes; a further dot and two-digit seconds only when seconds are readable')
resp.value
9.11
